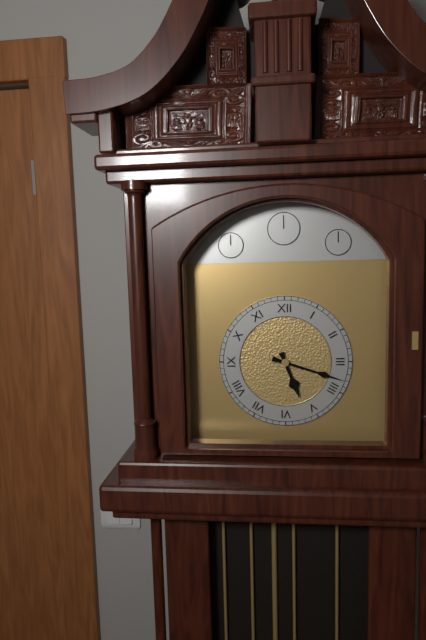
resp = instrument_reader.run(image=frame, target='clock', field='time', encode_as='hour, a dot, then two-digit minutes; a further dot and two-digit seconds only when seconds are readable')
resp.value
5.18
